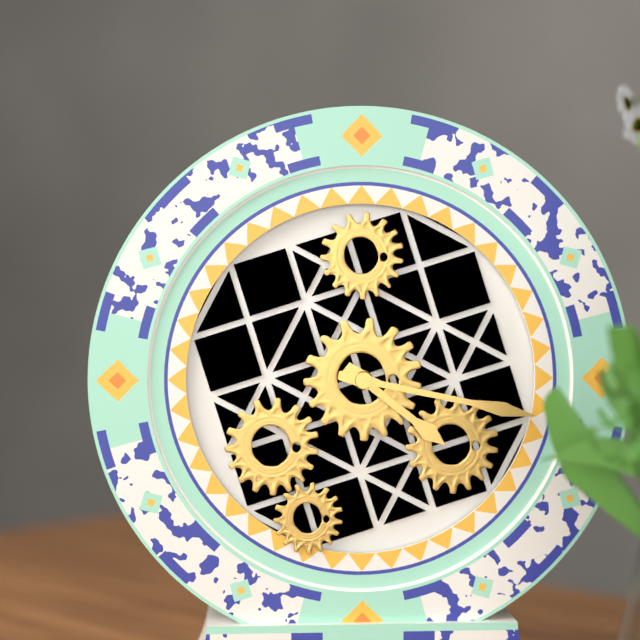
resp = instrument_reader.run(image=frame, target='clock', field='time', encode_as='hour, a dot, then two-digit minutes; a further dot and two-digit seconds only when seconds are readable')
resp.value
4.17
